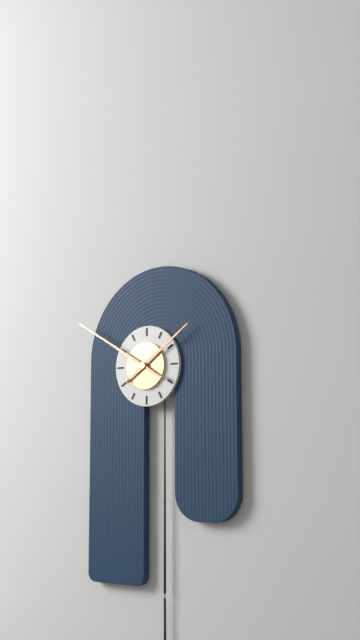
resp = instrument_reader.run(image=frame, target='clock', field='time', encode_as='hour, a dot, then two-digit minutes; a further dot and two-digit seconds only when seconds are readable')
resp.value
1.50
